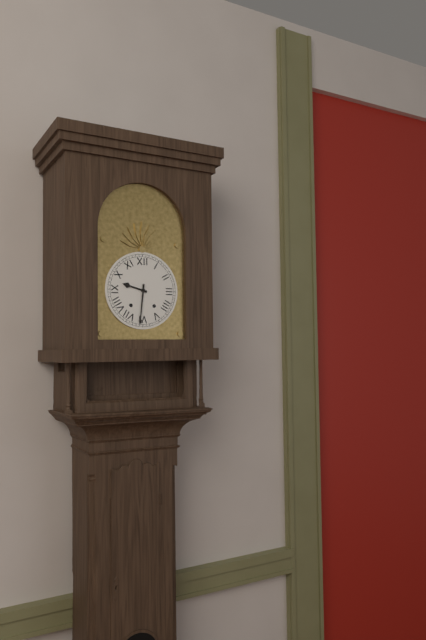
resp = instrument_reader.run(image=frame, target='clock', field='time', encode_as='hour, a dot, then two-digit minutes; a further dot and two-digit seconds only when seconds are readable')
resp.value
9.31
